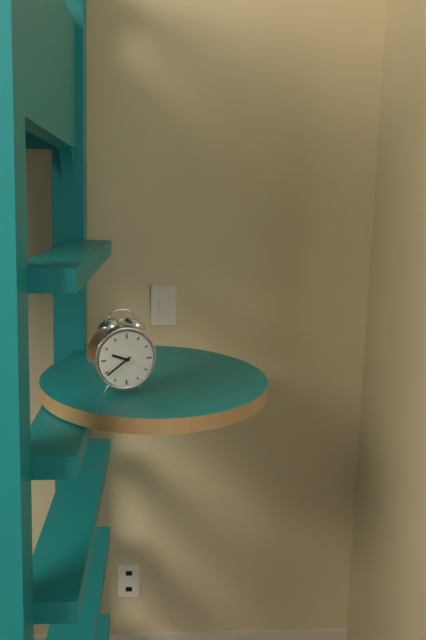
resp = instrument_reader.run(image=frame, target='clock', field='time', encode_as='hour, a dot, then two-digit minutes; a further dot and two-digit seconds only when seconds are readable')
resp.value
9.39
